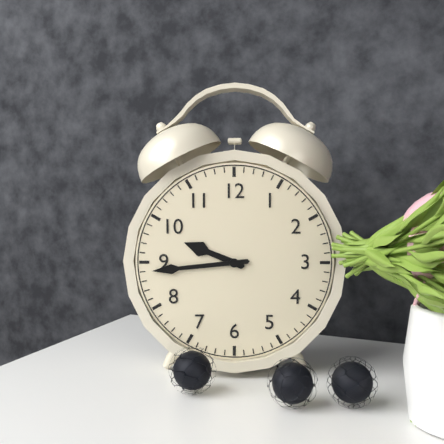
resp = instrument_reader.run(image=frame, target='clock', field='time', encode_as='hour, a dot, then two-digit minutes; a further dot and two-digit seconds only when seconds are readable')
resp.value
9.44
